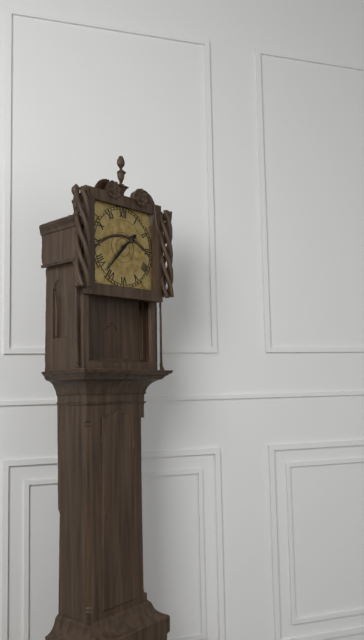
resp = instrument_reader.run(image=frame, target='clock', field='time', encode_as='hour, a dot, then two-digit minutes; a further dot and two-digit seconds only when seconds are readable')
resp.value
1.37
